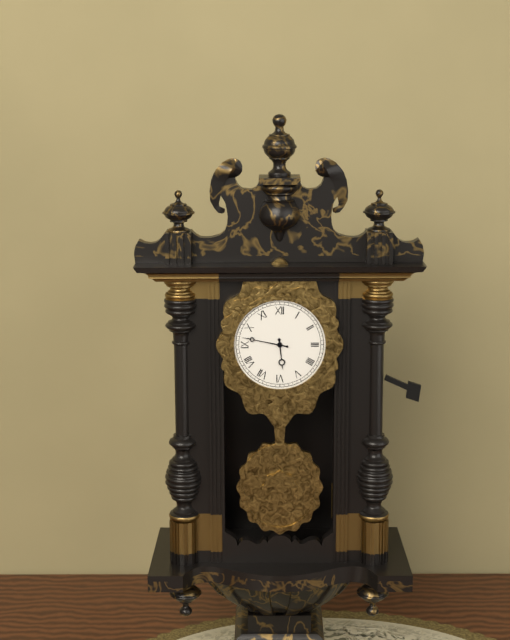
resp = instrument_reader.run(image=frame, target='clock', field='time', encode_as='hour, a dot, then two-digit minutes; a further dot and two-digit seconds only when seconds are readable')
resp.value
5.47
